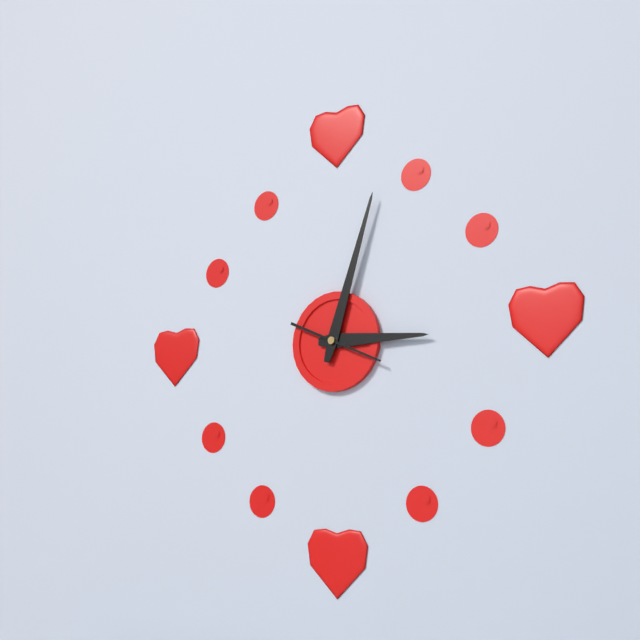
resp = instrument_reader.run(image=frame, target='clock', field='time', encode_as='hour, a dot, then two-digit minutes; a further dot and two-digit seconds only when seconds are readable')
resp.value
3.03.19
